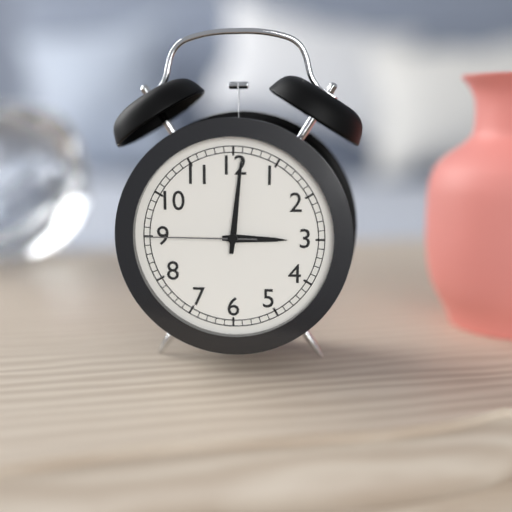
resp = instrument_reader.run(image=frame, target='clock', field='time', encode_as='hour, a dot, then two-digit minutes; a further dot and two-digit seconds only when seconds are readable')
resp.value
3.01.45
